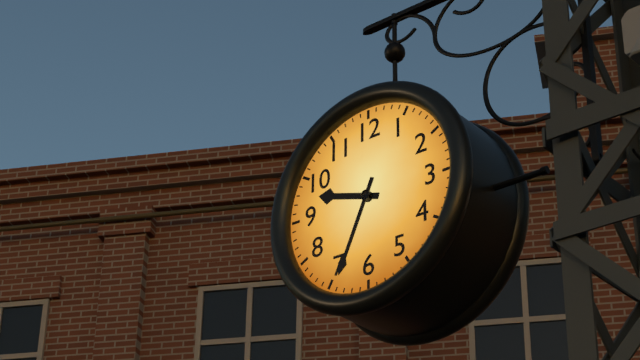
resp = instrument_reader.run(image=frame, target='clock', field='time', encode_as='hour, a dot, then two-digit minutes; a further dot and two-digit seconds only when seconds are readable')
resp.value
9.34
